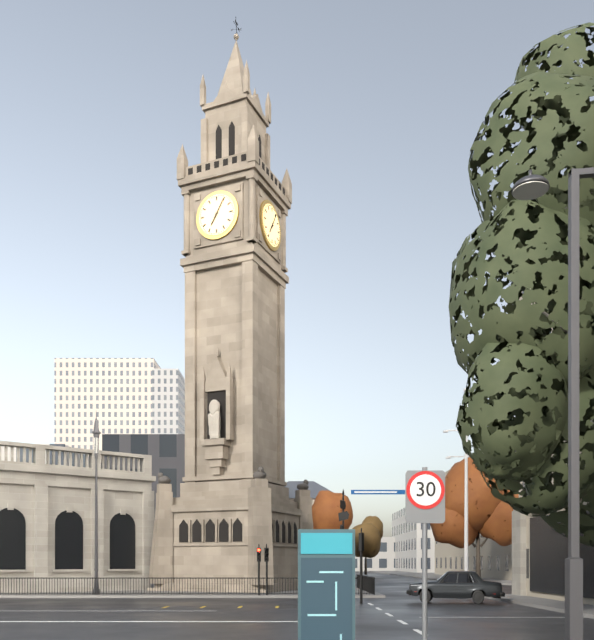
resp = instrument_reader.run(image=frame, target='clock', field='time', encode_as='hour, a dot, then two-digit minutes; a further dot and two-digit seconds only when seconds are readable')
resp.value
7.05
